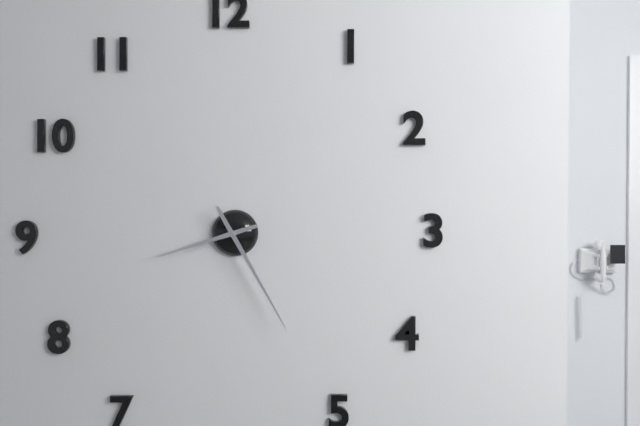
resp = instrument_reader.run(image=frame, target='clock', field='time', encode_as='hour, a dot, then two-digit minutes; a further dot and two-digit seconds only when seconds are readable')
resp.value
8.25
